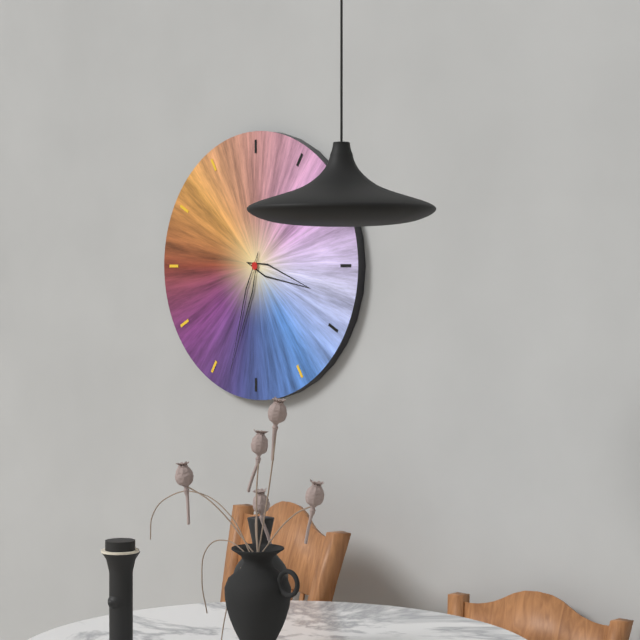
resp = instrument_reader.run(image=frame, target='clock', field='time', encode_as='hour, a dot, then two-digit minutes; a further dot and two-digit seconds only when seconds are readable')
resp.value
3.33
